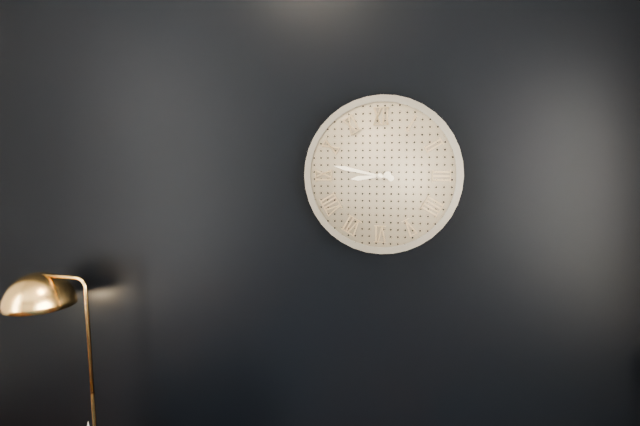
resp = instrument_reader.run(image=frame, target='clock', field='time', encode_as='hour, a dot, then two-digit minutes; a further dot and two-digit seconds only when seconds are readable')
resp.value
8.47
